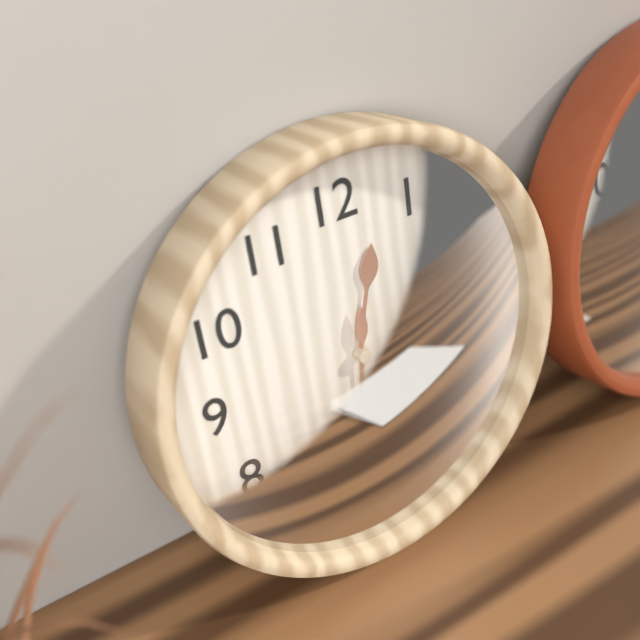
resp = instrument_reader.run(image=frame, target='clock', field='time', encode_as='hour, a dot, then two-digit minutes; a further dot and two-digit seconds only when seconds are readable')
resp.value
12.31.01
